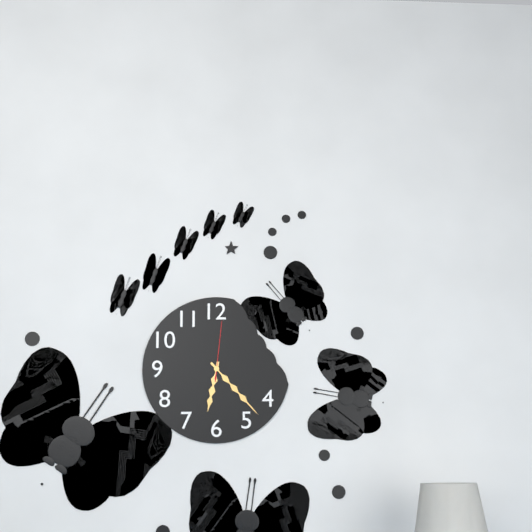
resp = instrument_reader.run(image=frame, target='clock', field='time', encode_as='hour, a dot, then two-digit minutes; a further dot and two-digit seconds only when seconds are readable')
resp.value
6.23.01
